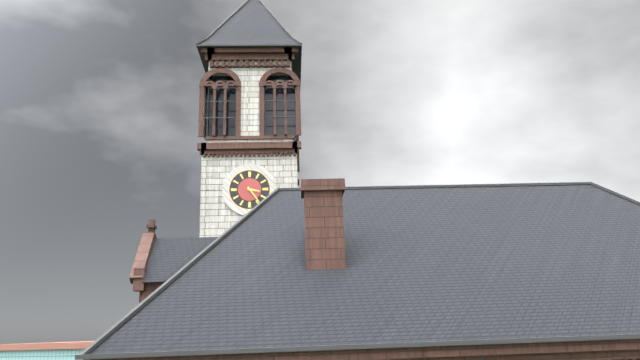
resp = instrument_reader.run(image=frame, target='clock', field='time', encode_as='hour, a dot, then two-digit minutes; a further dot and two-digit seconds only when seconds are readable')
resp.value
3.24
